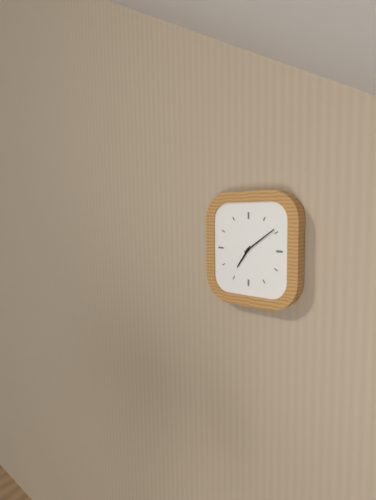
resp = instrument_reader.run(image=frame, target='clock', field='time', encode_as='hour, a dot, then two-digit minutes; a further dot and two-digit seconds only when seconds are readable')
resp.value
7.09
